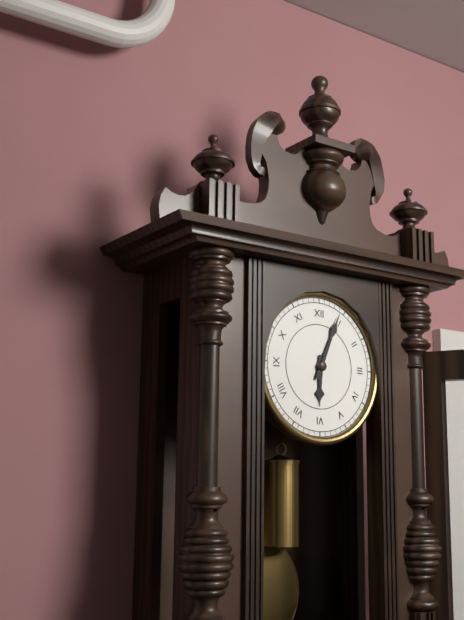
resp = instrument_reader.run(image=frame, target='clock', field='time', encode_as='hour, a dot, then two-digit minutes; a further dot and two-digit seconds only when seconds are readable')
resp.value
6.04
